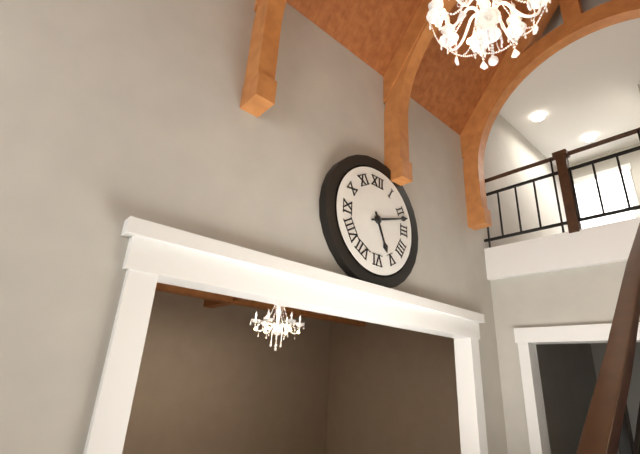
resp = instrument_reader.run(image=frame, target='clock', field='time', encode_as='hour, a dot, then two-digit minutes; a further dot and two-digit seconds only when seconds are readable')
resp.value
5.12
